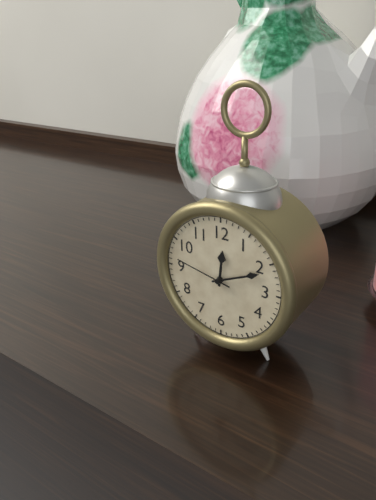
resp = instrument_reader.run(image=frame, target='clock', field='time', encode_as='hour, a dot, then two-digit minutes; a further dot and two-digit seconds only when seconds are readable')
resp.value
12.11.47
